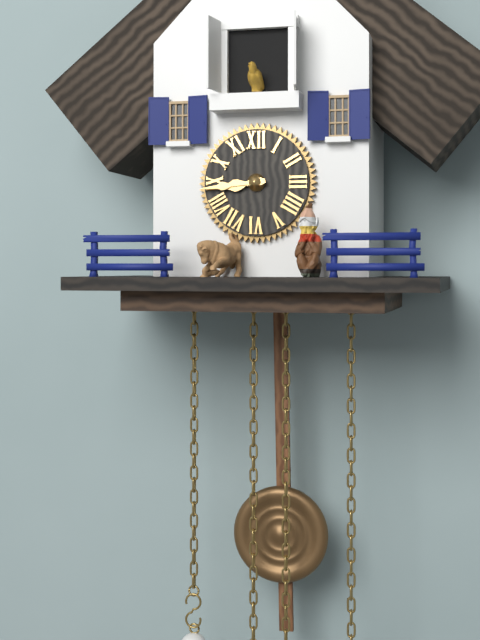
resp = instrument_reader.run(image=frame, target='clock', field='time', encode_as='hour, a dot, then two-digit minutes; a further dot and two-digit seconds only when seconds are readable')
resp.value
8.44
